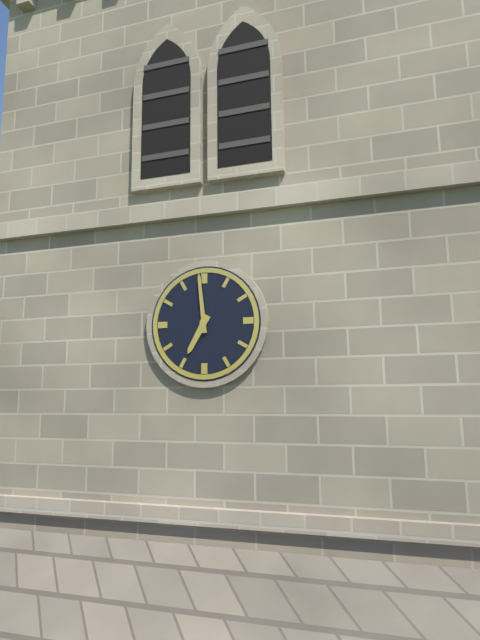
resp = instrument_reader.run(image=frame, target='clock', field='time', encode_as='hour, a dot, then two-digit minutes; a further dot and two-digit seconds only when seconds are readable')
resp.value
6.59
